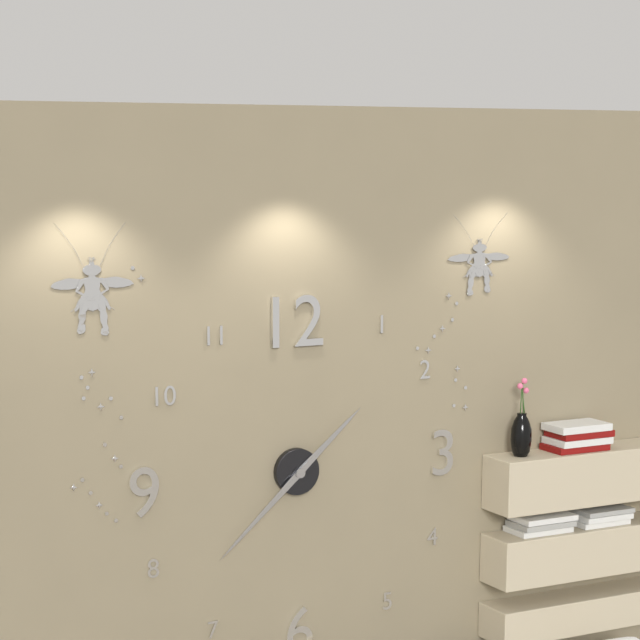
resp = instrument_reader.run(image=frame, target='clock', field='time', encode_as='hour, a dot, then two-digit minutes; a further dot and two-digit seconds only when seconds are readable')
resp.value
1.38
